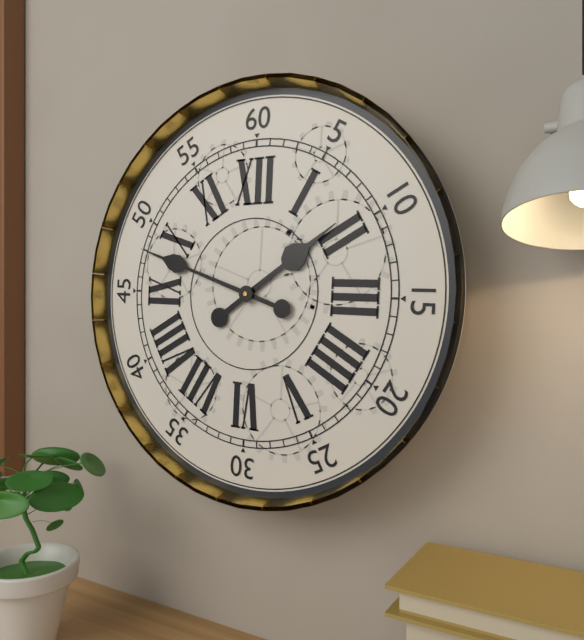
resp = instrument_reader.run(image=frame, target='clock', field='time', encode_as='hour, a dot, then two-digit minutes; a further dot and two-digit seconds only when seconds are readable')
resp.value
1.48
